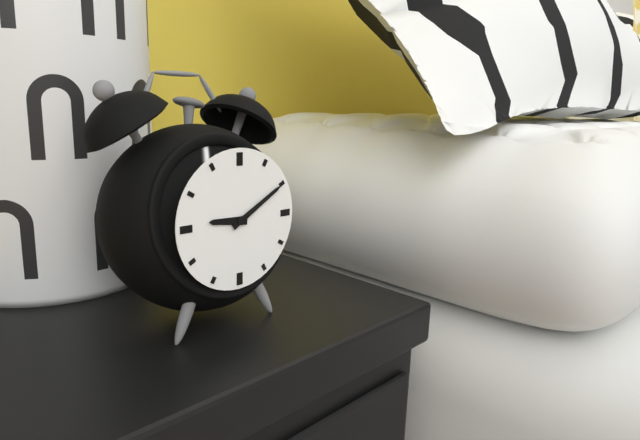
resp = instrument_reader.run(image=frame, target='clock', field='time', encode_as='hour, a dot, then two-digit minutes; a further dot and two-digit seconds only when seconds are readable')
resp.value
9.10
